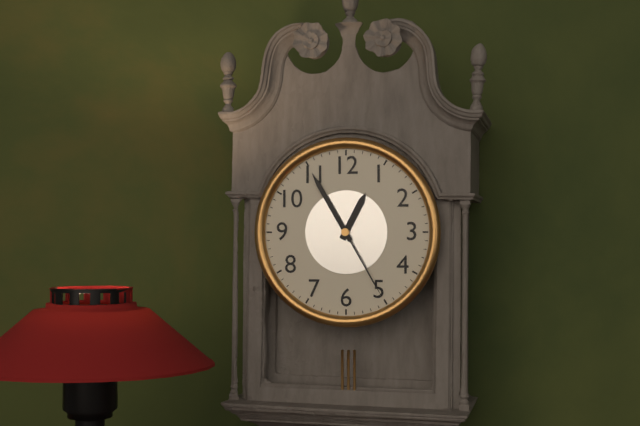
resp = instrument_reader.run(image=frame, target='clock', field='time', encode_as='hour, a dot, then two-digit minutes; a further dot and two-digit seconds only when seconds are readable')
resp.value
12.55.25
